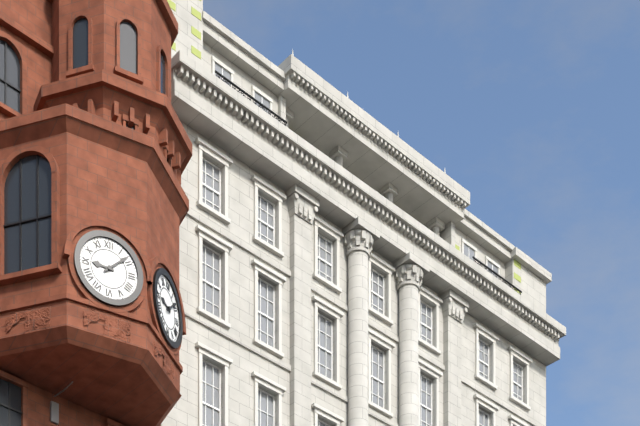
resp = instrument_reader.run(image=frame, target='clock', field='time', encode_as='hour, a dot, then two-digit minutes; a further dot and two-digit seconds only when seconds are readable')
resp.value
9.08
